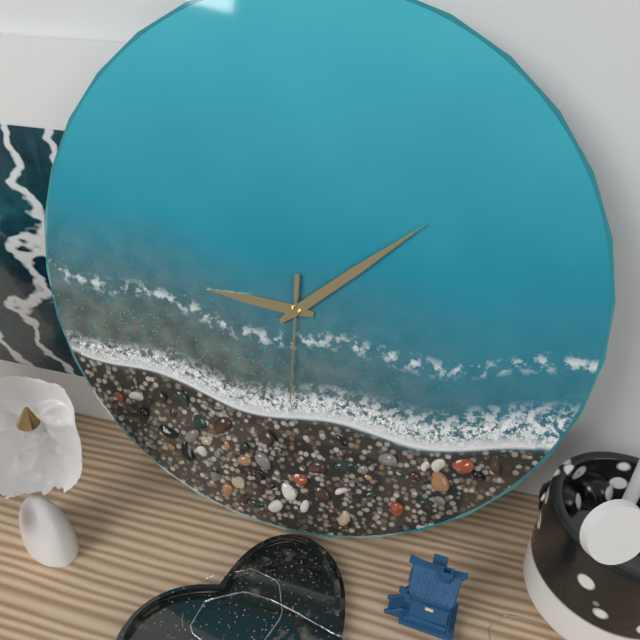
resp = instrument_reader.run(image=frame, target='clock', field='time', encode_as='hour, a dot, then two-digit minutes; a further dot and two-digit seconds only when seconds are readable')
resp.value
9.08.30
